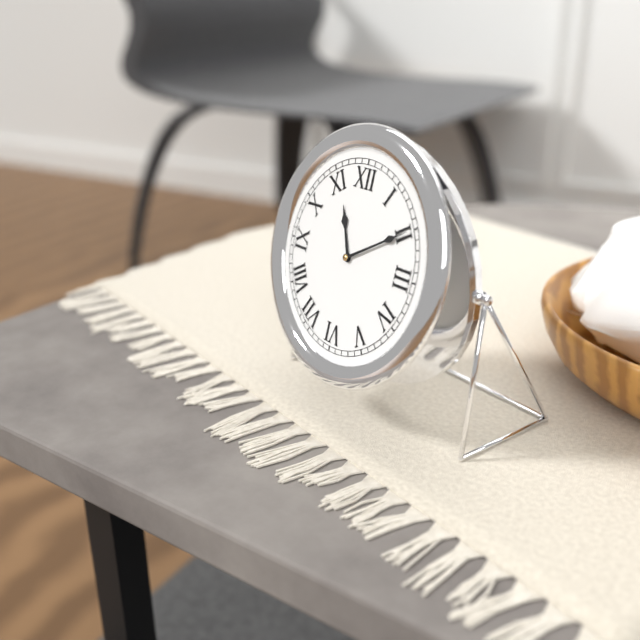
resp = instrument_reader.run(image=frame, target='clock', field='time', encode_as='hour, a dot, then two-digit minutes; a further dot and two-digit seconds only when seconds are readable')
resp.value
11.10
